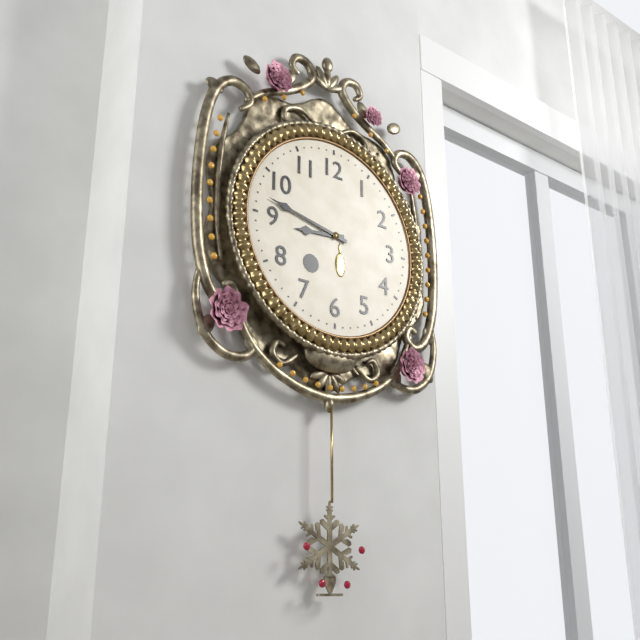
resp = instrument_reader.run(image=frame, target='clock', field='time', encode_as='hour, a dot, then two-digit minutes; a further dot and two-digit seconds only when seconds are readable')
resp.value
8.47
